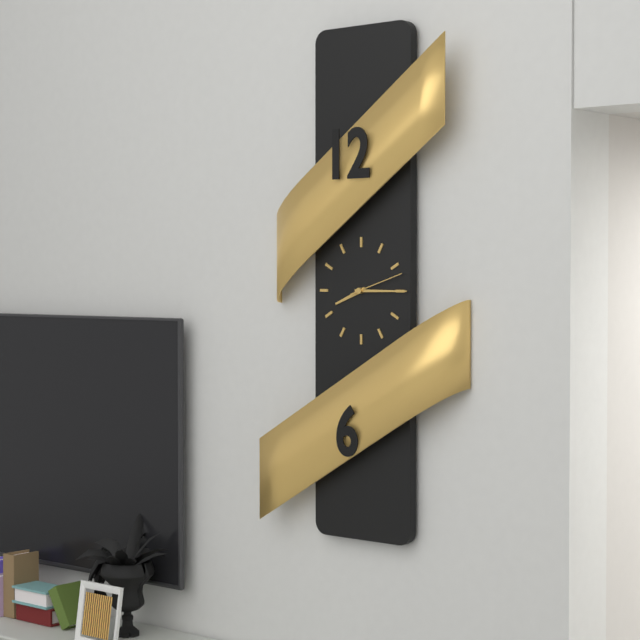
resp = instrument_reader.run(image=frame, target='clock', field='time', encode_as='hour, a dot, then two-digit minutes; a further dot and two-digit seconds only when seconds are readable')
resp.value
8.15.12
